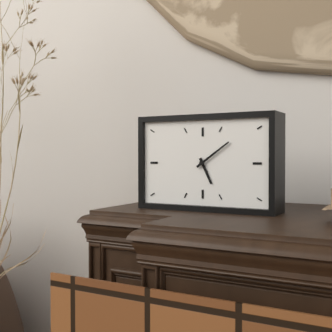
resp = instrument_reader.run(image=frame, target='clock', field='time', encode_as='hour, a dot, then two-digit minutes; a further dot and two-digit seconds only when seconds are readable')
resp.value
5.09
